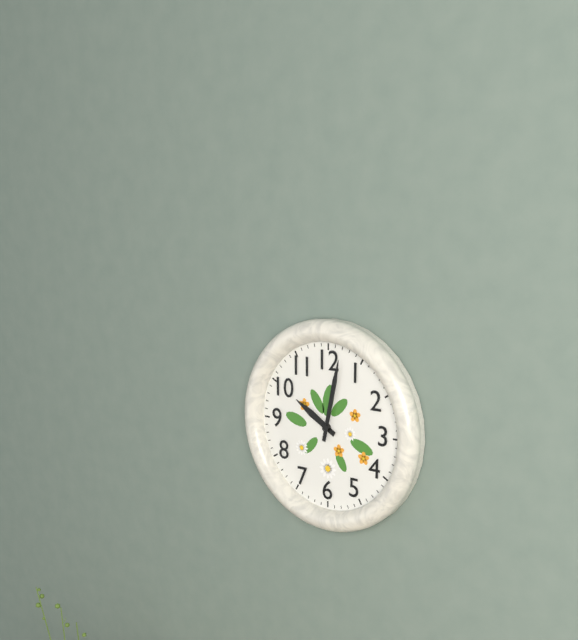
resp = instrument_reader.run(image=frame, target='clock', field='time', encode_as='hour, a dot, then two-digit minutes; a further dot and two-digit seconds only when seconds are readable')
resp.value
10.02
